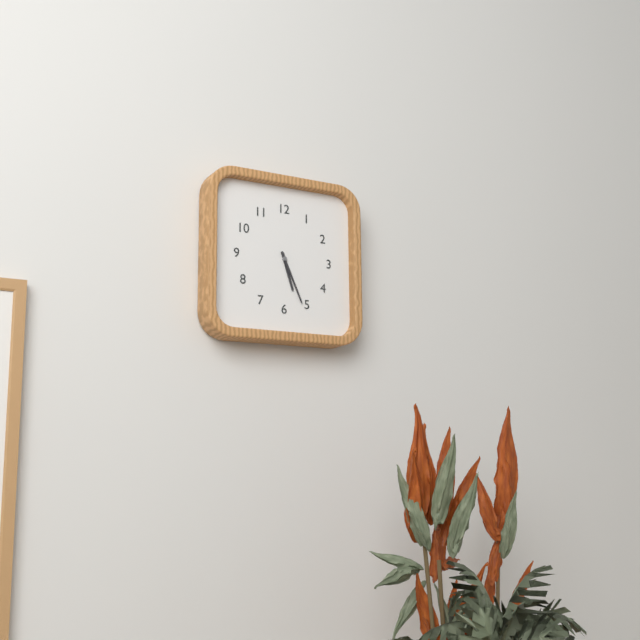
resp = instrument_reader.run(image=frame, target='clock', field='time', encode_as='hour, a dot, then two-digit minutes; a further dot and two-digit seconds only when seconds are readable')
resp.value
5.26
